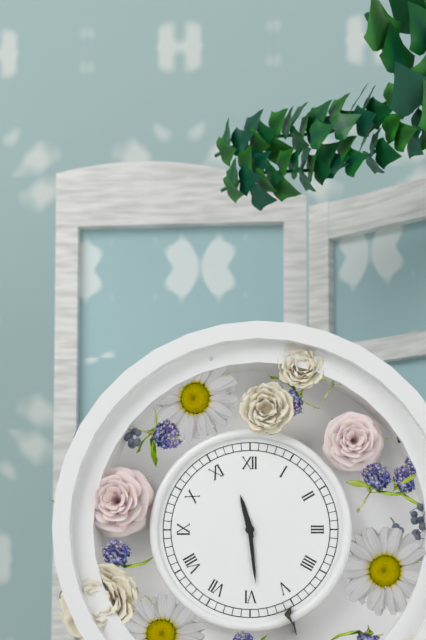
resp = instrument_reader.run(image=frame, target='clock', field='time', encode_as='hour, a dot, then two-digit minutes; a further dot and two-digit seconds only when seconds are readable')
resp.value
11.29
